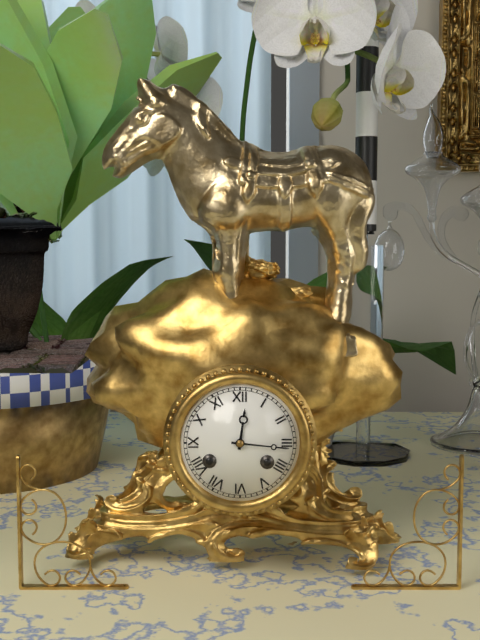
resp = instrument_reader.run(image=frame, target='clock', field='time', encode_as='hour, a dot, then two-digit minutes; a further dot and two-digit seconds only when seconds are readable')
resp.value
12.16
